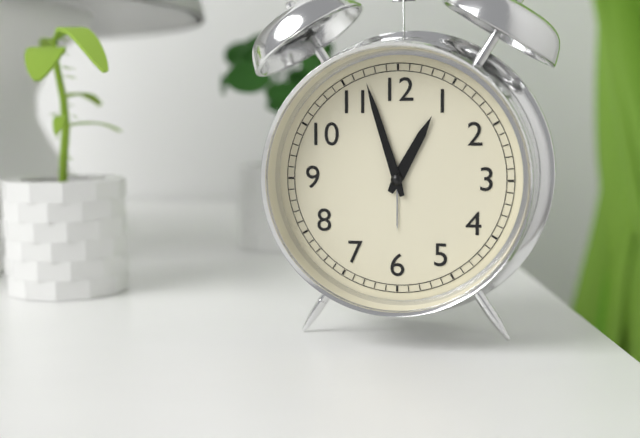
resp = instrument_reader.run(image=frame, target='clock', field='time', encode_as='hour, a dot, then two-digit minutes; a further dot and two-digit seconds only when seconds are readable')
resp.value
12.57
